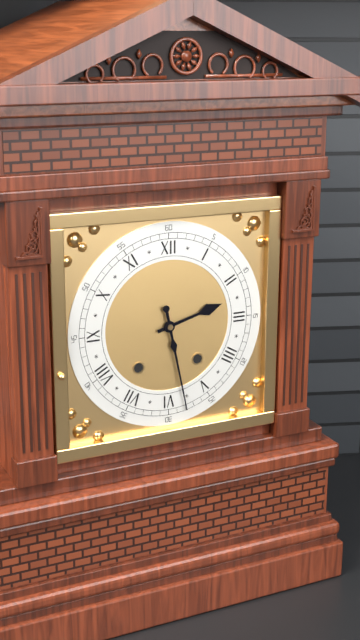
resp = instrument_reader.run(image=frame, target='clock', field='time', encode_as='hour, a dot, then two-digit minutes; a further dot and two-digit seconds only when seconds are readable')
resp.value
2.28
